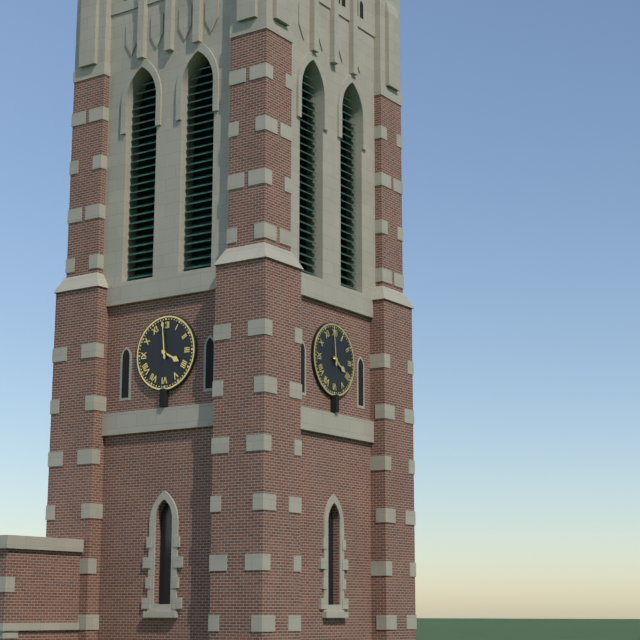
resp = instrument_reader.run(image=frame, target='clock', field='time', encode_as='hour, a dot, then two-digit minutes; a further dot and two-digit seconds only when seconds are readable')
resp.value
3.59
